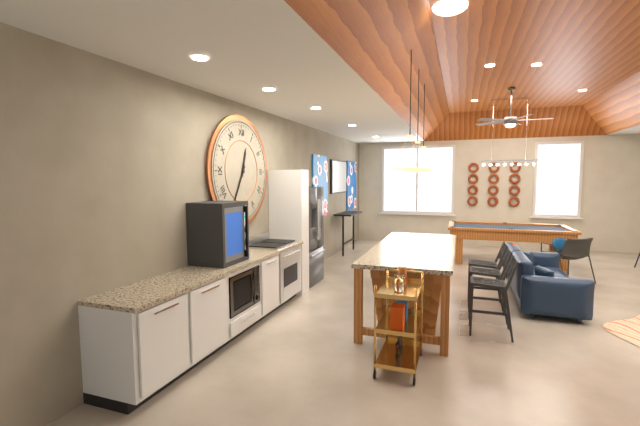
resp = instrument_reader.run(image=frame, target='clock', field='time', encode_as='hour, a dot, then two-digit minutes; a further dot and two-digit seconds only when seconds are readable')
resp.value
12.35
